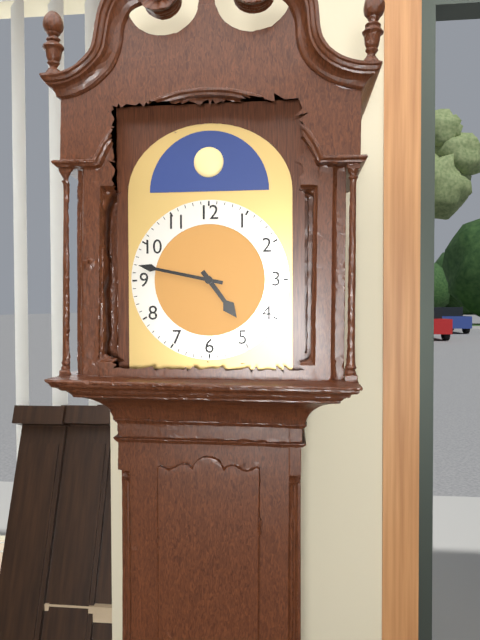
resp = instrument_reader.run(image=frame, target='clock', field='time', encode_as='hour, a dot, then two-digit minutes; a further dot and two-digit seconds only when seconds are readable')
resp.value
4.47
